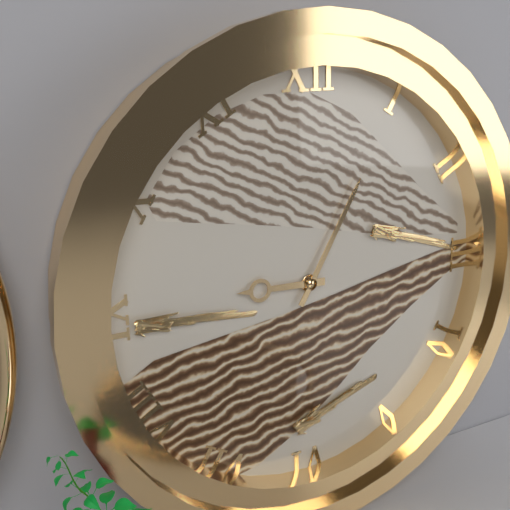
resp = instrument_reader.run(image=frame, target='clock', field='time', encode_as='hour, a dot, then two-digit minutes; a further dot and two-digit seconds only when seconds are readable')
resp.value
9.05
